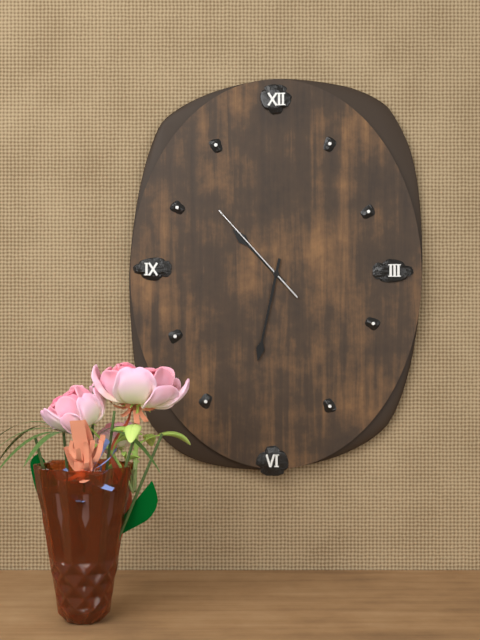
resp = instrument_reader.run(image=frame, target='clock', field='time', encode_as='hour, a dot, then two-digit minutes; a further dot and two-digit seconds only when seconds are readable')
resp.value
10.32.53
